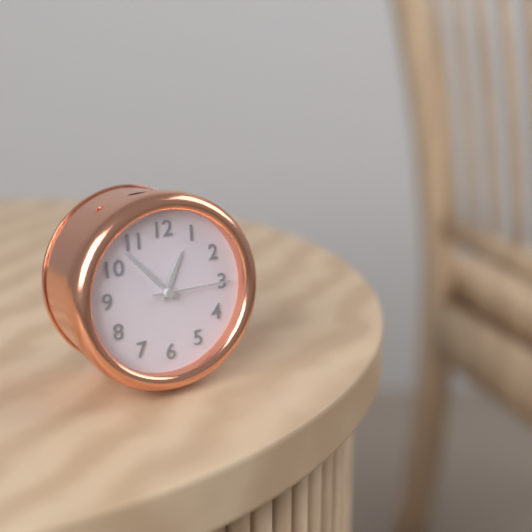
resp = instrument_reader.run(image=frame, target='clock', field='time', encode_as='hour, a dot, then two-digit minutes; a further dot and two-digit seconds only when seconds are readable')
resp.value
12.53.15
